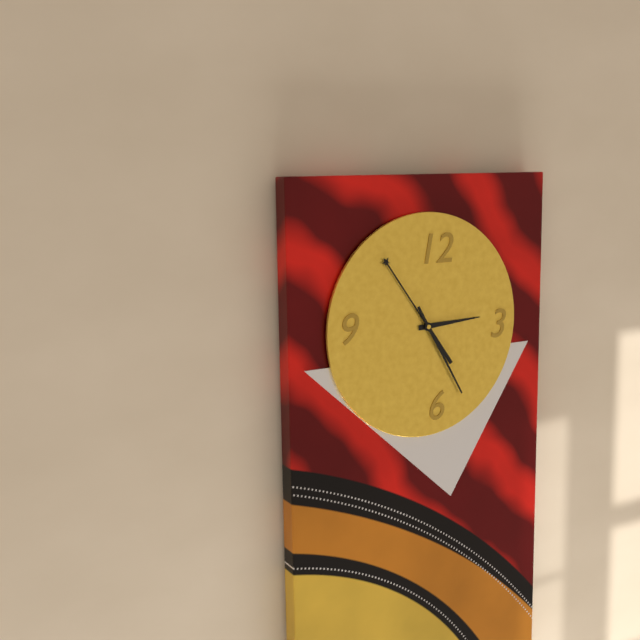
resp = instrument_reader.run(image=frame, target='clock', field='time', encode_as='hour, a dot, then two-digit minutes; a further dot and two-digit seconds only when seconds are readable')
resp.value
2.54.25
